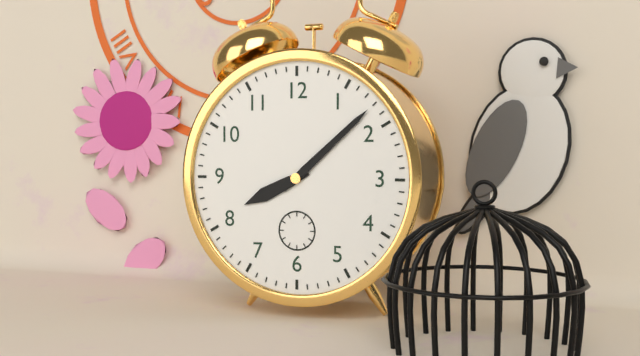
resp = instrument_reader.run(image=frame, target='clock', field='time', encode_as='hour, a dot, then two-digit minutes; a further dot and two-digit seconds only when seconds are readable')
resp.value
8.08
